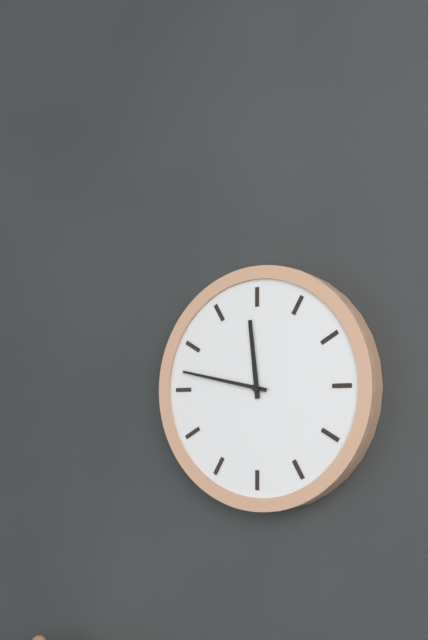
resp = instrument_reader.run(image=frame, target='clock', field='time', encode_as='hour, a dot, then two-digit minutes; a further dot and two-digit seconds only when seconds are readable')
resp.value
11.47
